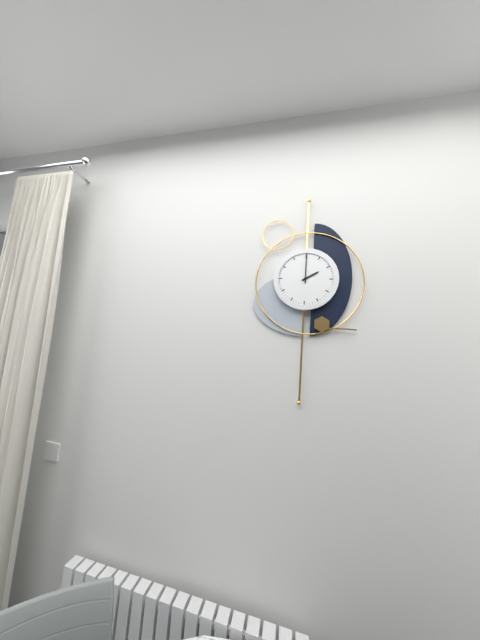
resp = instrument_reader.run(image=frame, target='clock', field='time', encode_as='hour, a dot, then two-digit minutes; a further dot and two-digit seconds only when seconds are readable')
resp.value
2.00
